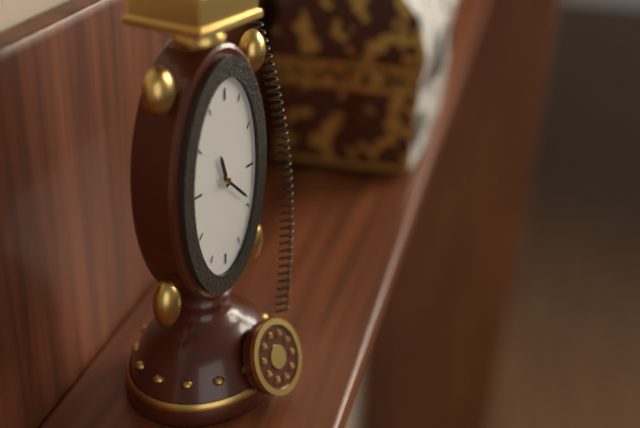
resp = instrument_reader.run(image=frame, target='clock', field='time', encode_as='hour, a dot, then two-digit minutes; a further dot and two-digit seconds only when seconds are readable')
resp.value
11.22
